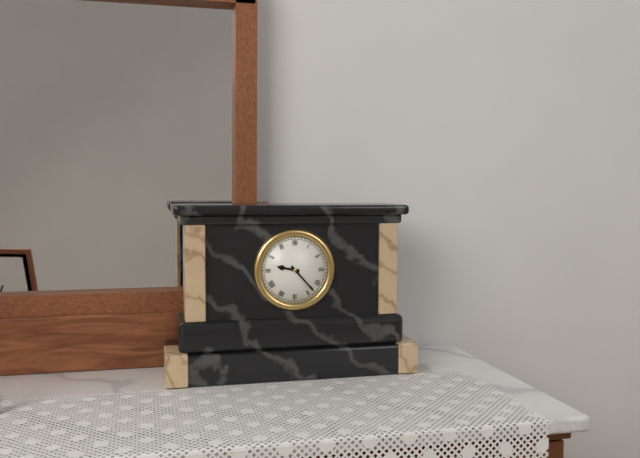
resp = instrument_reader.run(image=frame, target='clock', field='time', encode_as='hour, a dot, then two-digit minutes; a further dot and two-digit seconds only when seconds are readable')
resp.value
9.23
